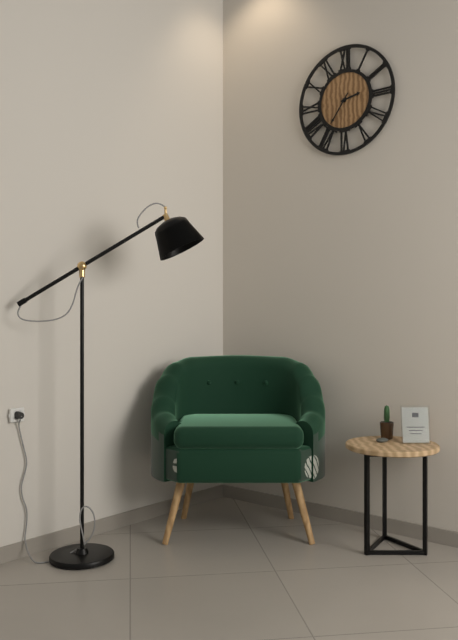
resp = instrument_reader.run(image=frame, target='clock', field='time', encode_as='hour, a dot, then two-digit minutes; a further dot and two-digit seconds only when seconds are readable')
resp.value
2.36
